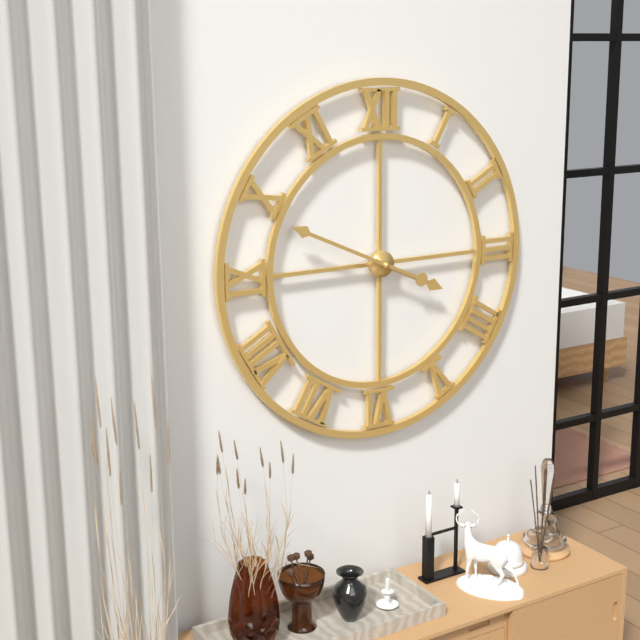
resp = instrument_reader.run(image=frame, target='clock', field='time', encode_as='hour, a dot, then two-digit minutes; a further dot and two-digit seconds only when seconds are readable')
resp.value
3.49
